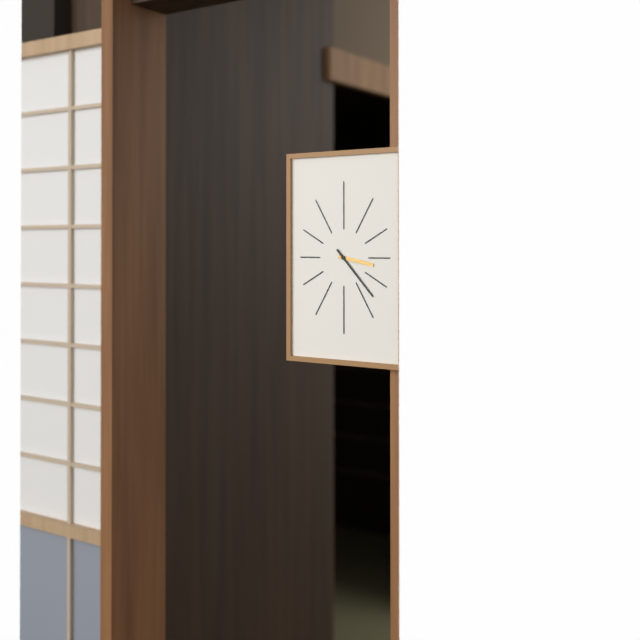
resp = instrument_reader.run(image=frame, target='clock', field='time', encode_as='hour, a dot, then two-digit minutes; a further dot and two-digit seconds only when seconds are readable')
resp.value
3.23
